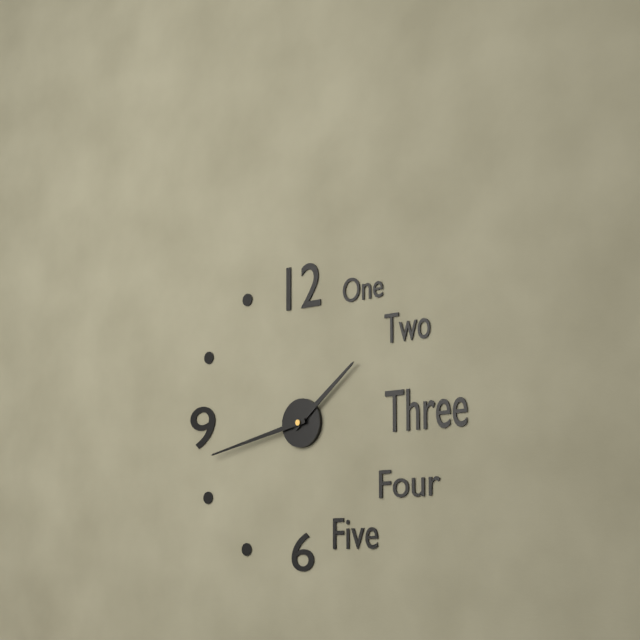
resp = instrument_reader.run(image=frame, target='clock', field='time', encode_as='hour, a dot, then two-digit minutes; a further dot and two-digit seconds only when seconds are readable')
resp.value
1.43
